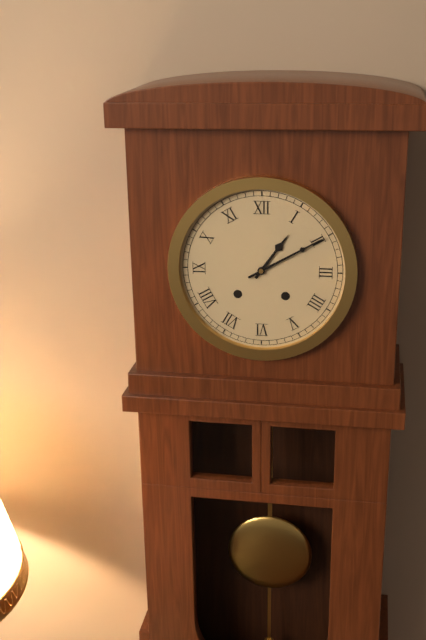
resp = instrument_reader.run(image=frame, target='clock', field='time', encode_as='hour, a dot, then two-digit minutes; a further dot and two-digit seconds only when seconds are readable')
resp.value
1.10
